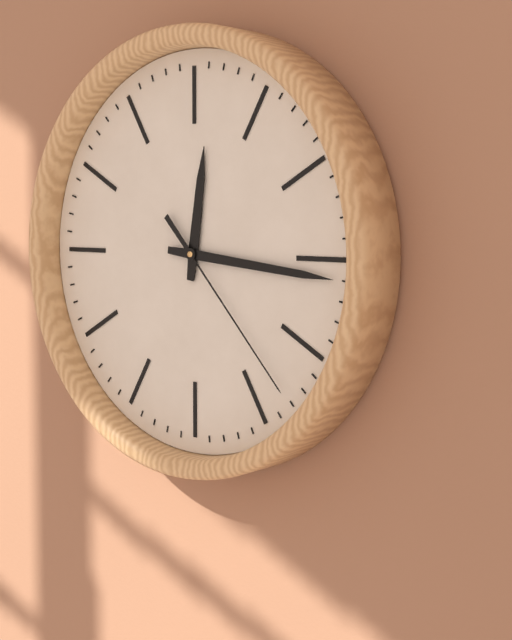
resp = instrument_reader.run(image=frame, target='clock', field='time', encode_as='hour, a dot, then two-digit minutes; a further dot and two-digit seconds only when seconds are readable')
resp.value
12.16.23
